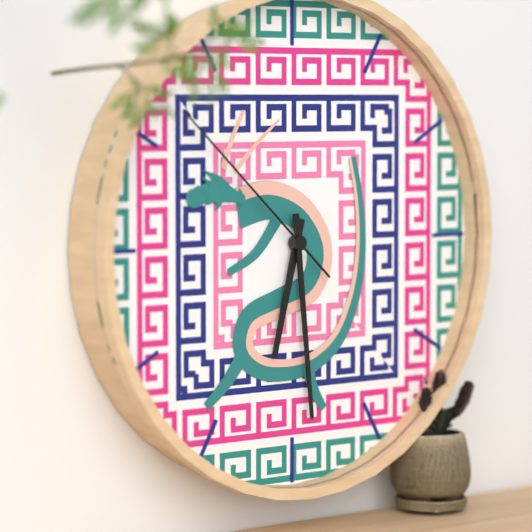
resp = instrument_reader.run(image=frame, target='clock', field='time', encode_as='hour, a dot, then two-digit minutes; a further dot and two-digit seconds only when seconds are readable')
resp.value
6.29.52
